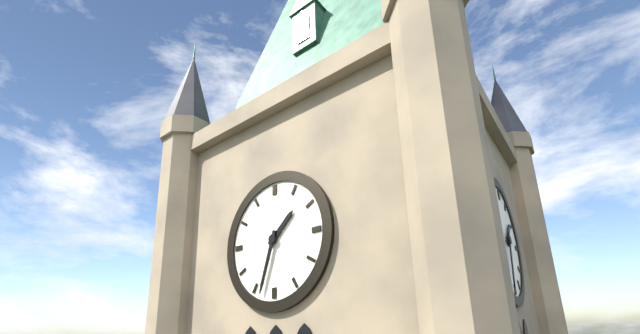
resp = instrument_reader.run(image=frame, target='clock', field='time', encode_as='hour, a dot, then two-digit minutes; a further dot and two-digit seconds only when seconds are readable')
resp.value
1.33
